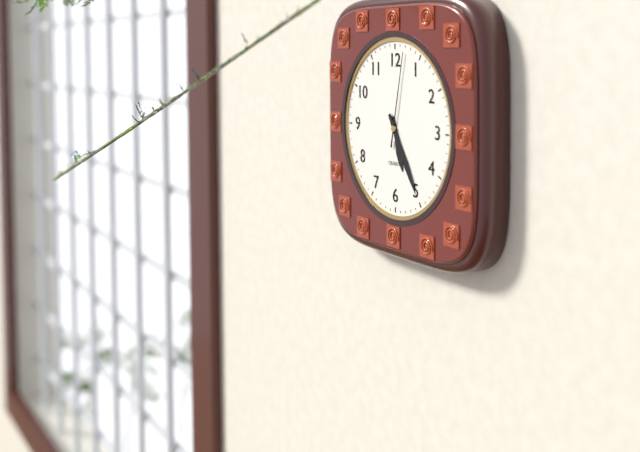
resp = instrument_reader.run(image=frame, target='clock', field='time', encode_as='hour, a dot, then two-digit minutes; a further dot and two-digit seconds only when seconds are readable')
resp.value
5.25.02
